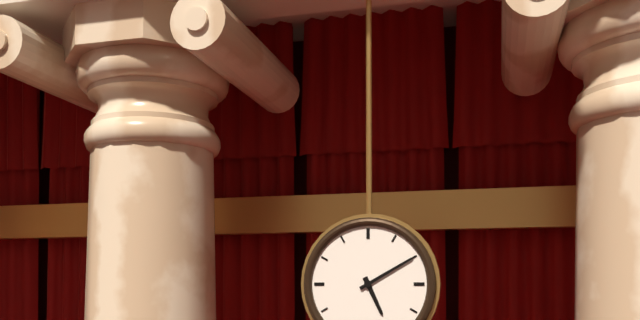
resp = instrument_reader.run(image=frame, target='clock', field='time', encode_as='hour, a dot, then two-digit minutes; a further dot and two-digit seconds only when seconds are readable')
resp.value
5.10
